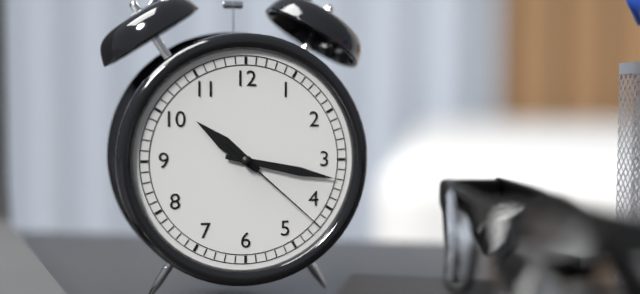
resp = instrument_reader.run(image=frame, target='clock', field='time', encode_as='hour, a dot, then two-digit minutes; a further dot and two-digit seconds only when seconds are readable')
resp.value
10.17.22
